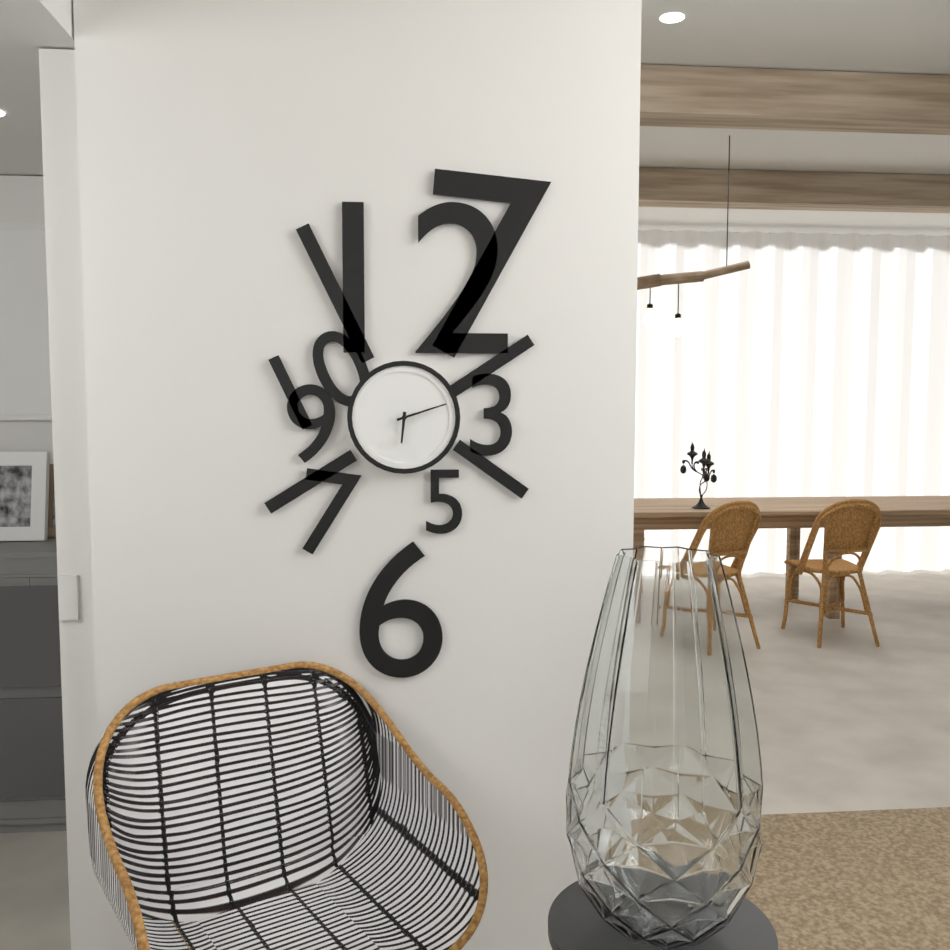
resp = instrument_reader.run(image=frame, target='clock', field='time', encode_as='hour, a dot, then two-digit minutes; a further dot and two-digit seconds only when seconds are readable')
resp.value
6.12
